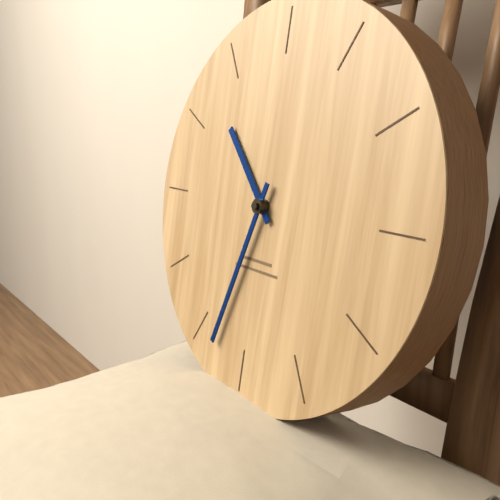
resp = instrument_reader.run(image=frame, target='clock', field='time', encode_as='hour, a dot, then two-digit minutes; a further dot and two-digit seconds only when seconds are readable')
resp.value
10.33
